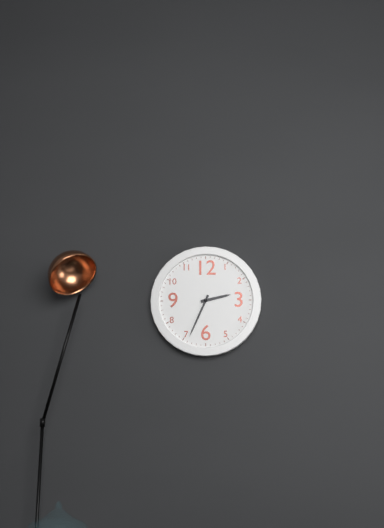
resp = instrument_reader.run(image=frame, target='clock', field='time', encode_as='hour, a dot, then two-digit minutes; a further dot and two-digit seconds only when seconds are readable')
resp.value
2.34
